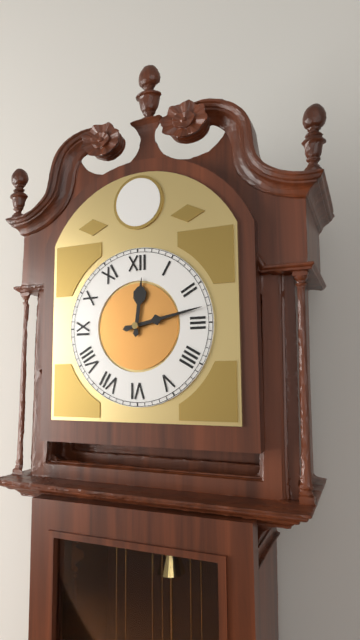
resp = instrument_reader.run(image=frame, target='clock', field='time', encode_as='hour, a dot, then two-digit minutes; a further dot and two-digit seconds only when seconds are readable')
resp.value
12.13
